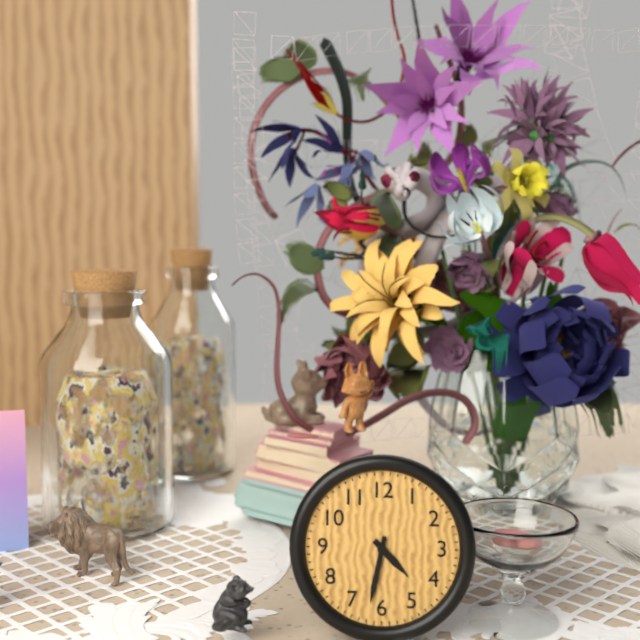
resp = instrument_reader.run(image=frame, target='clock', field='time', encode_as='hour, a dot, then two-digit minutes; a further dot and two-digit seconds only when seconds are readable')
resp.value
4.32
